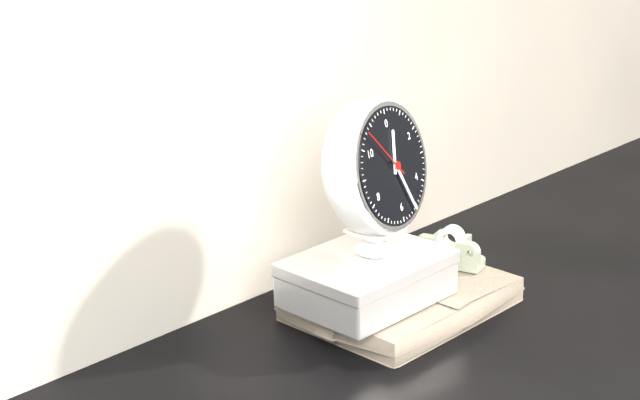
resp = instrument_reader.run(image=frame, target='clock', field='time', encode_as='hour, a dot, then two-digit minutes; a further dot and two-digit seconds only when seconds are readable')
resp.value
12.26.53
